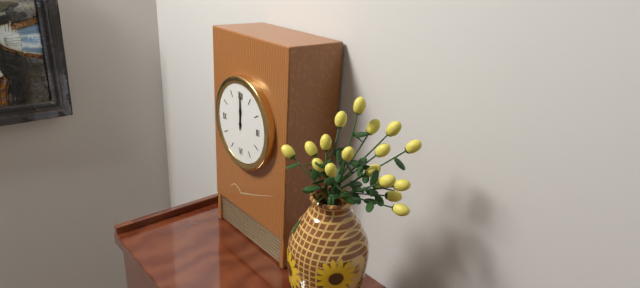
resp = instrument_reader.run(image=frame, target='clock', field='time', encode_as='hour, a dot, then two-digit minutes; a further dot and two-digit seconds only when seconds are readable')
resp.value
12.00
